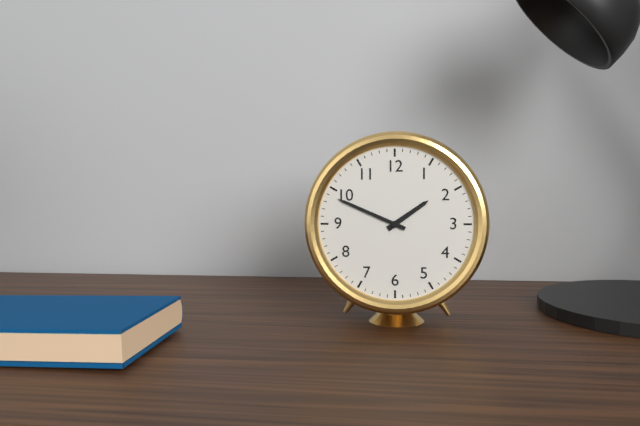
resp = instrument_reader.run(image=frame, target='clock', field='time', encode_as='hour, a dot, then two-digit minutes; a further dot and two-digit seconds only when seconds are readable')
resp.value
1.49
